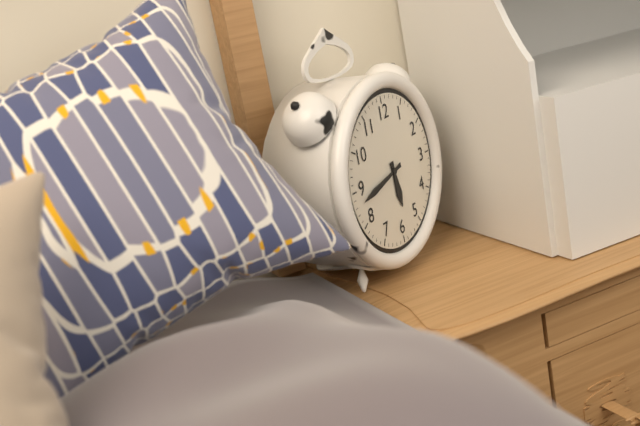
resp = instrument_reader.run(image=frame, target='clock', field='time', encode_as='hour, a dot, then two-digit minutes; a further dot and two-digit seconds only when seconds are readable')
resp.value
5.43
